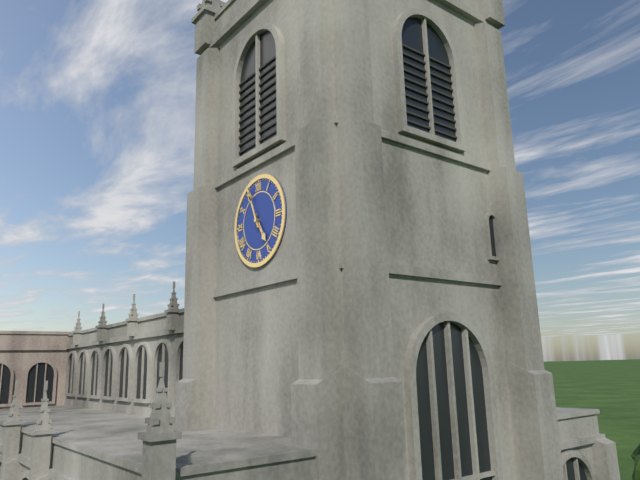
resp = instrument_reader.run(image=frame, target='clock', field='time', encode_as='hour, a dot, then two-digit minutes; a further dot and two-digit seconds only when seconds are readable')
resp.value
4.56
